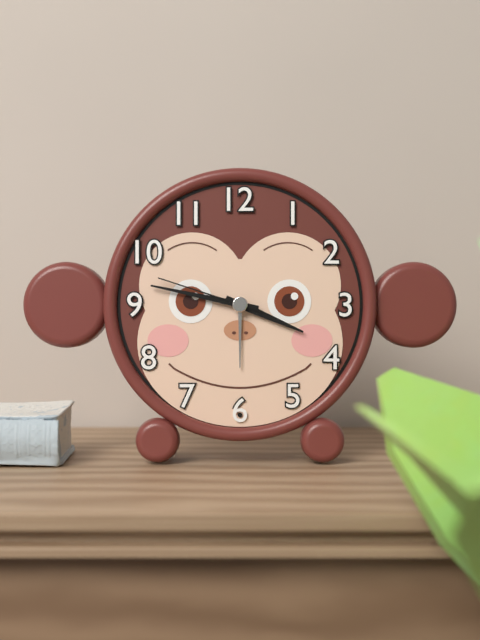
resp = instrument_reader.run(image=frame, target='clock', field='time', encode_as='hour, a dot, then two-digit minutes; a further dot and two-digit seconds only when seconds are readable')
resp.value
3.47.48
